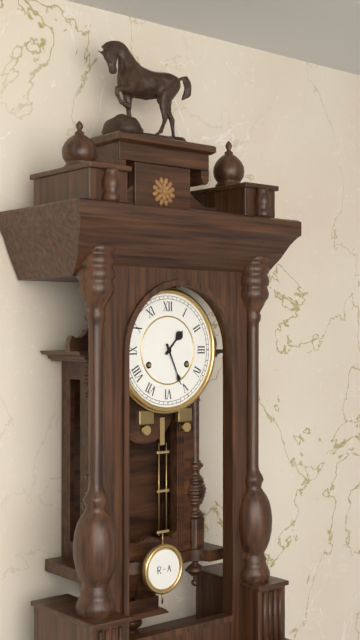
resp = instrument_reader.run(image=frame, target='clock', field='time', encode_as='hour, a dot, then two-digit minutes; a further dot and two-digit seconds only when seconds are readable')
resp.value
1.26
